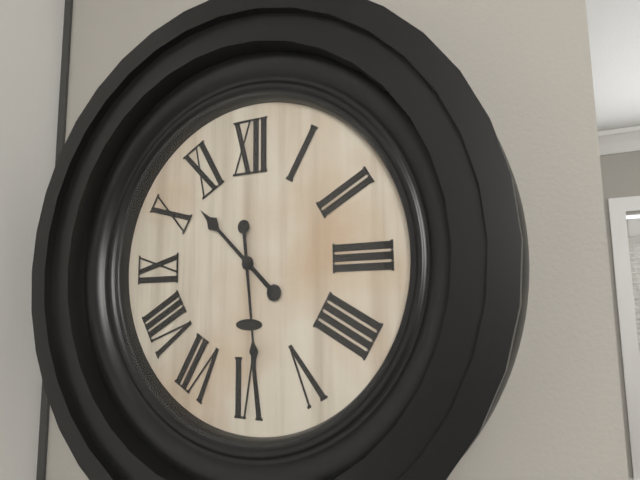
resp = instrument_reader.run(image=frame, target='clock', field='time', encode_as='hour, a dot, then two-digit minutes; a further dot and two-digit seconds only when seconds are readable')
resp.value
10.29
